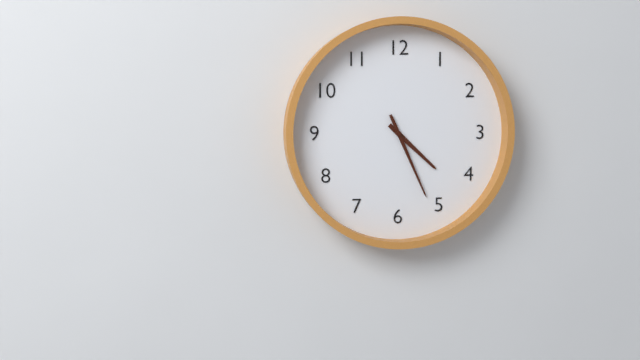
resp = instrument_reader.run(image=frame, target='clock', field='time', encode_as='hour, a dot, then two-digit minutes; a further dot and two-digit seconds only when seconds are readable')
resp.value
4.26
